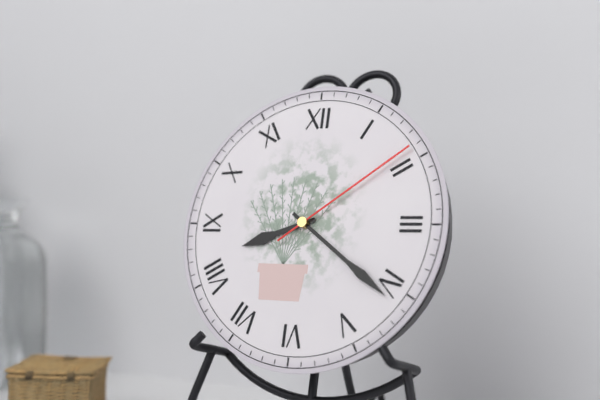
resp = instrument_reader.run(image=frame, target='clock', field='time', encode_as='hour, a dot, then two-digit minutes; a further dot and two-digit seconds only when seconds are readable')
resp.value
8.21.09
